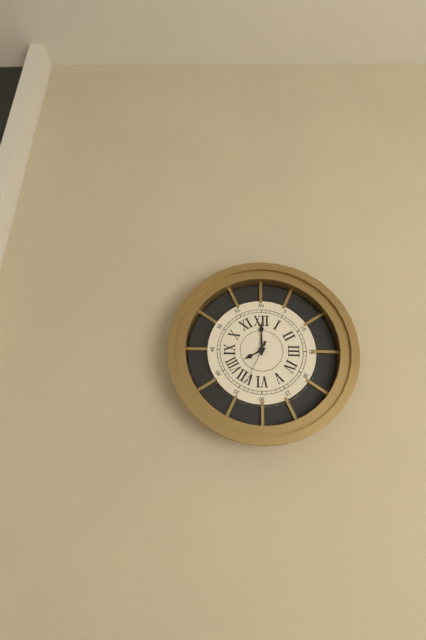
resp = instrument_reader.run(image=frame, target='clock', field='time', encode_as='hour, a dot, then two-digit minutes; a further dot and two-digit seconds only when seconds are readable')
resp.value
8.00
